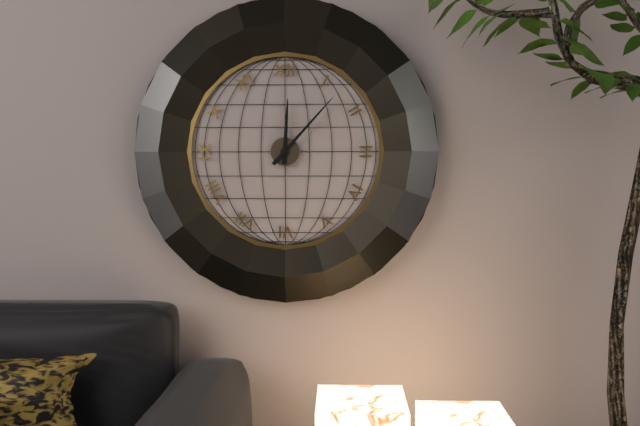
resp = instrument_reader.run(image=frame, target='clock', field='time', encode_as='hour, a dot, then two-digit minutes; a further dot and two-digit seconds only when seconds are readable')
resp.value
12.07
